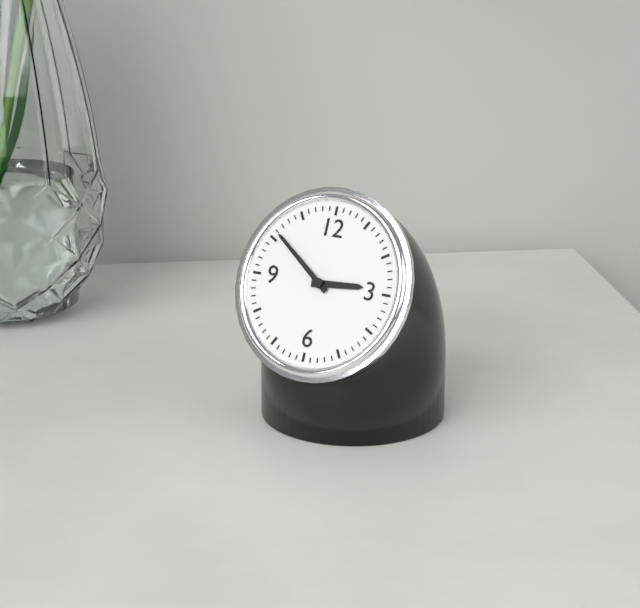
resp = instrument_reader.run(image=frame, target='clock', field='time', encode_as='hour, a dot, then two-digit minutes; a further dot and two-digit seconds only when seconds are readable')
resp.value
2.51
